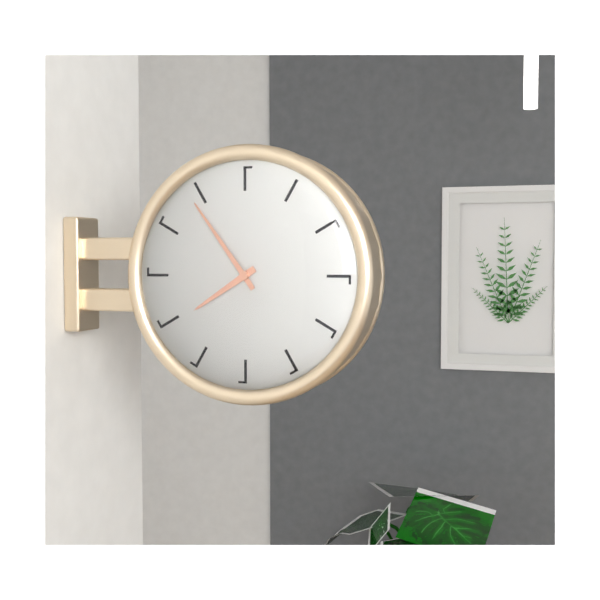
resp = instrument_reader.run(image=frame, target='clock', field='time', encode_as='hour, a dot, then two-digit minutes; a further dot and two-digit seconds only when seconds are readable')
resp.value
7.54
